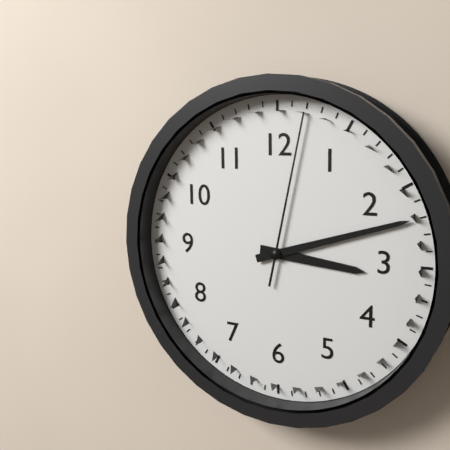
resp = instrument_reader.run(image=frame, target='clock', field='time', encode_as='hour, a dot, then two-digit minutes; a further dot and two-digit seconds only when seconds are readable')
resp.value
3.12.02
